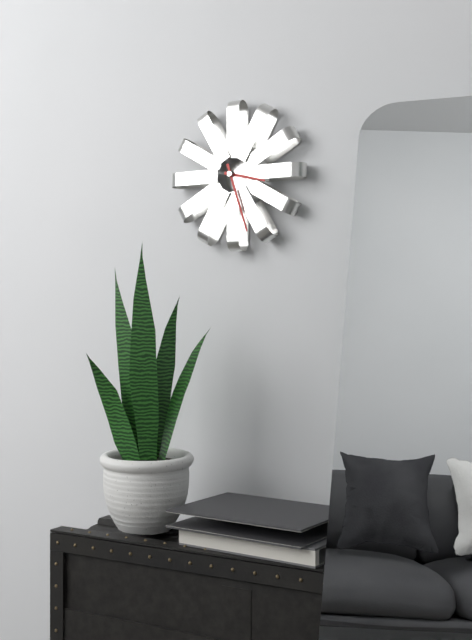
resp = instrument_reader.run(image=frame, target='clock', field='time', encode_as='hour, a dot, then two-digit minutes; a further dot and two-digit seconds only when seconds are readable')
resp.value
3.27
